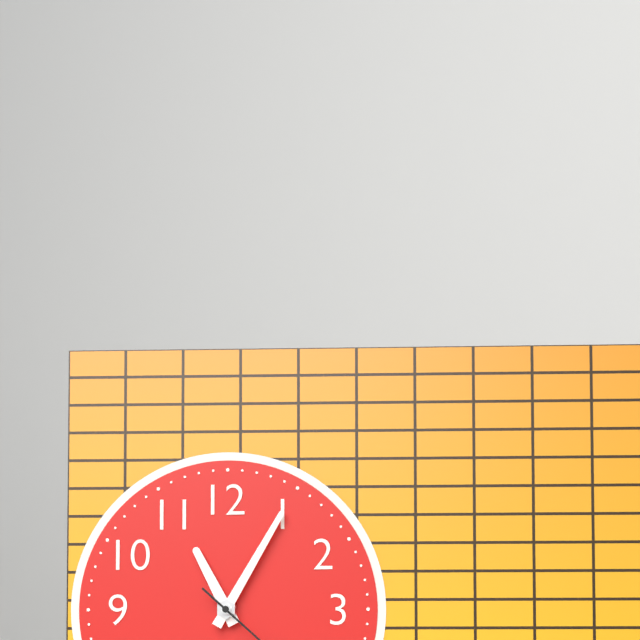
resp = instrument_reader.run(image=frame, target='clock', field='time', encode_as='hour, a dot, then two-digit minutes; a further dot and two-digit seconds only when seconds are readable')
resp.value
11.05
